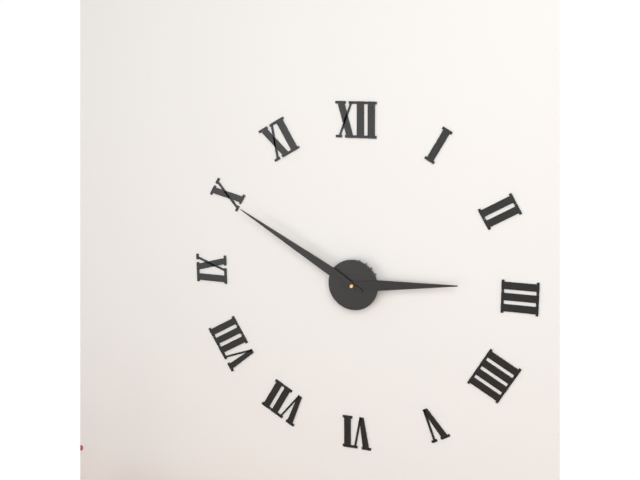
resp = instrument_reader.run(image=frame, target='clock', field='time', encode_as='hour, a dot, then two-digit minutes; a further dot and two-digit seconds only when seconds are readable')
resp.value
2.50
